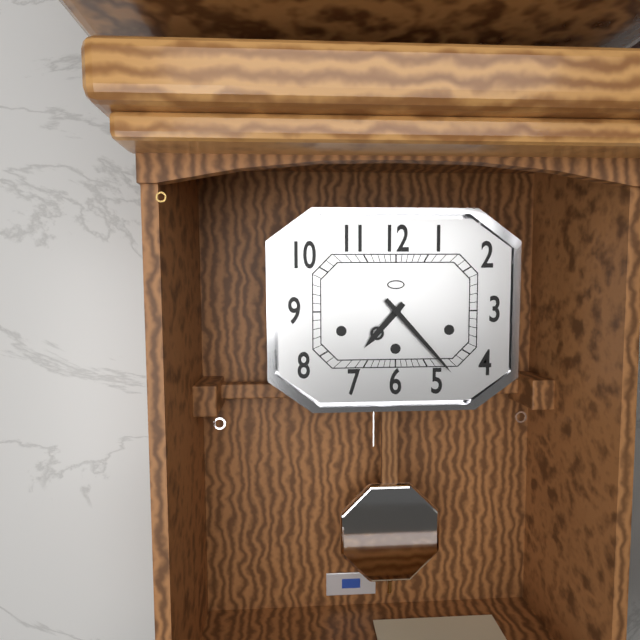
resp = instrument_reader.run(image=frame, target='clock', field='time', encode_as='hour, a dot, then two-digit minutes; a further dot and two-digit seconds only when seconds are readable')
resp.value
7.23
